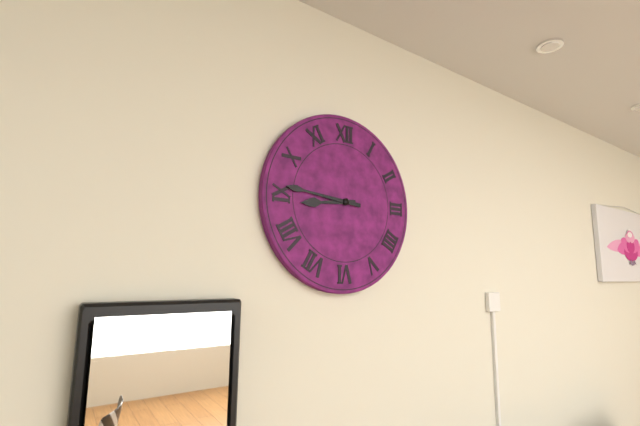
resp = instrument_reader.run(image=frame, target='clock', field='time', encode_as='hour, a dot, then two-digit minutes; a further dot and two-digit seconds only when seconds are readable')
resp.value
8.46
